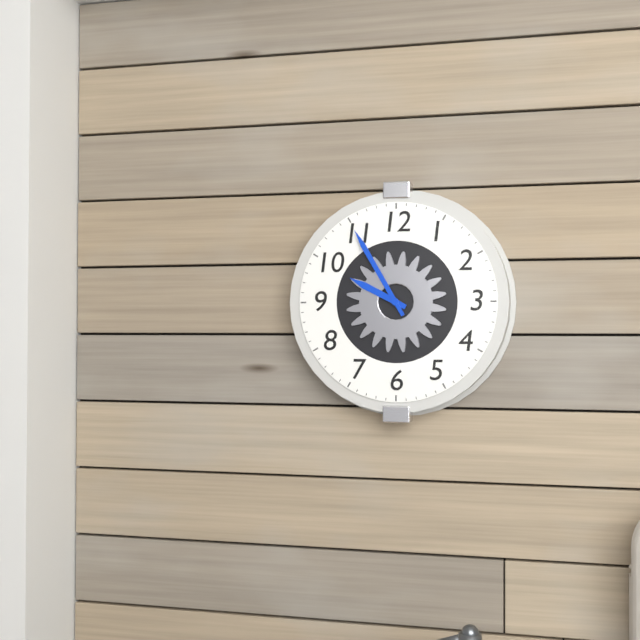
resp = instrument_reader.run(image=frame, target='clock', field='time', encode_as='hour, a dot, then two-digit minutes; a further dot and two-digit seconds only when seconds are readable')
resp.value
9.55
